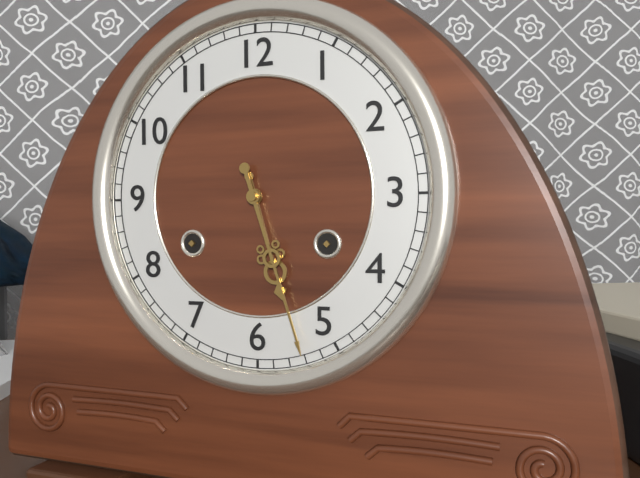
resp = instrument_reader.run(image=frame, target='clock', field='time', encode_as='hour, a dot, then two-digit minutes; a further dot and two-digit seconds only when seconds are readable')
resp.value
5.27
